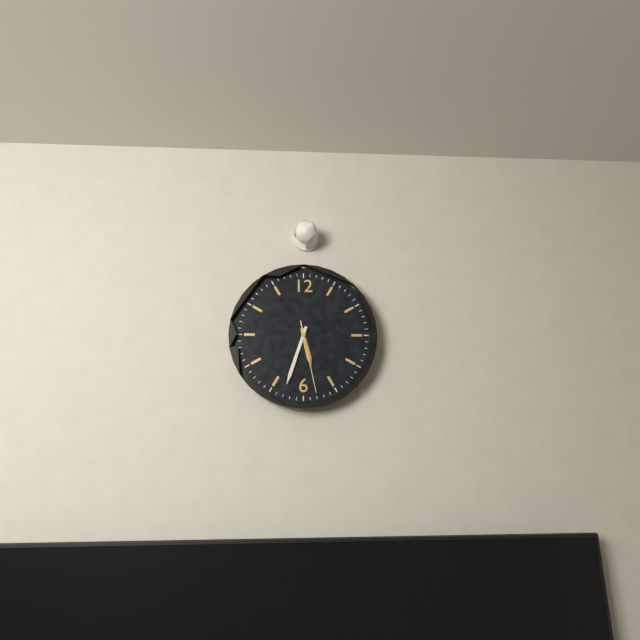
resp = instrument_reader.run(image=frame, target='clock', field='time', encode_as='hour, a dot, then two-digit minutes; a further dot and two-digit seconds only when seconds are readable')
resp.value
5.33.28
